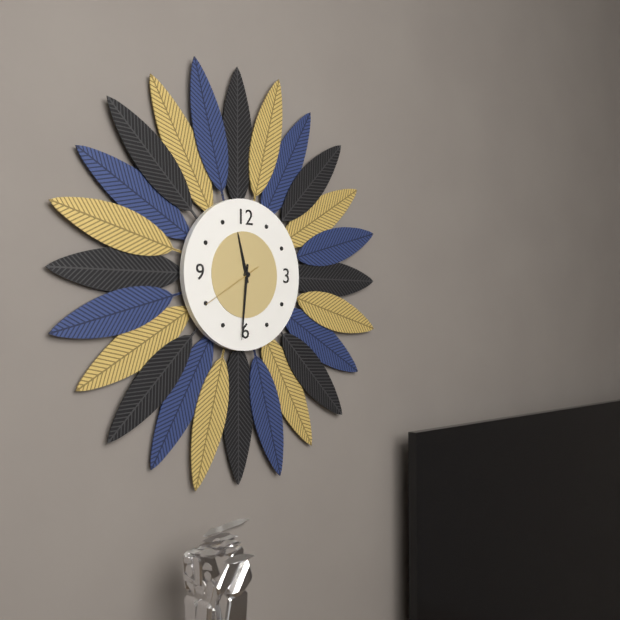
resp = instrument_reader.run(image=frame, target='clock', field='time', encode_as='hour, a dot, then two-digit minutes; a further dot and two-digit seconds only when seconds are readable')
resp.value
11.31.40
